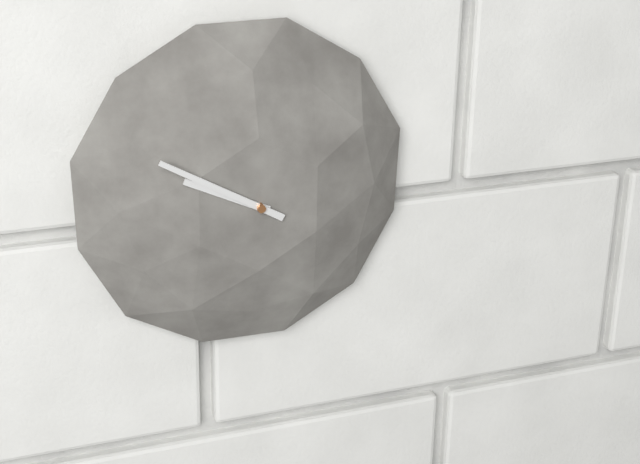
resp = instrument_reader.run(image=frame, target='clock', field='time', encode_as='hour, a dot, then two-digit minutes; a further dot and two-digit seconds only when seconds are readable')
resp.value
9.50
